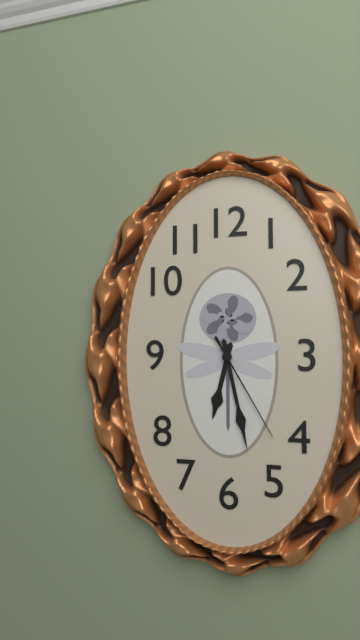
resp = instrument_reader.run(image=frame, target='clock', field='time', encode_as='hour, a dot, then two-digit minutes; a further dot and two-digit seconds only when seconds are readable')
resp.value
6.28.25
